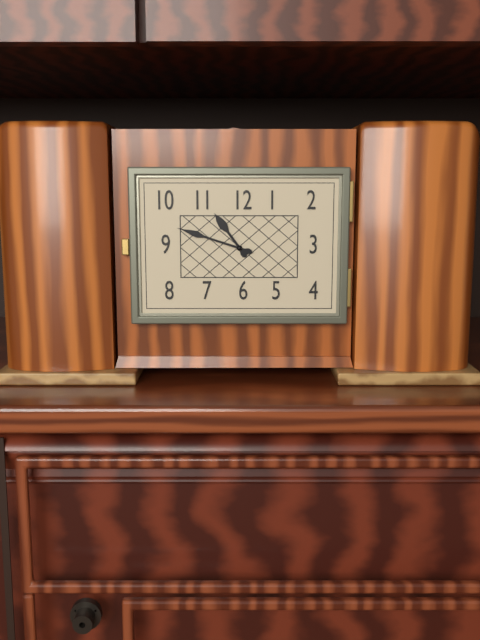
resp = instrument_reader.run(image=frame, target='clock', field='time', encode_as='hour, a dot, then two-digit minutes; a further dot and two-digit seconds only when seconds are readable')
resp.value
10.48
